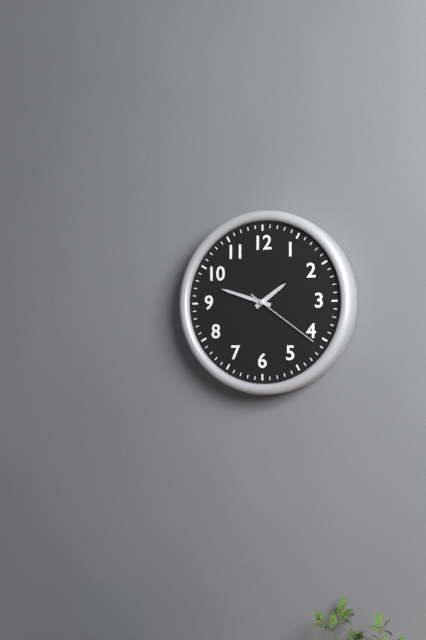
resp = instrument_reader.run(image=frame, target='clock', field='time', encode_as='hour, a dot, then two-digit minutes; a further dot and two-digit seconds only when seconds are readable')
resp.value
1.48.21
